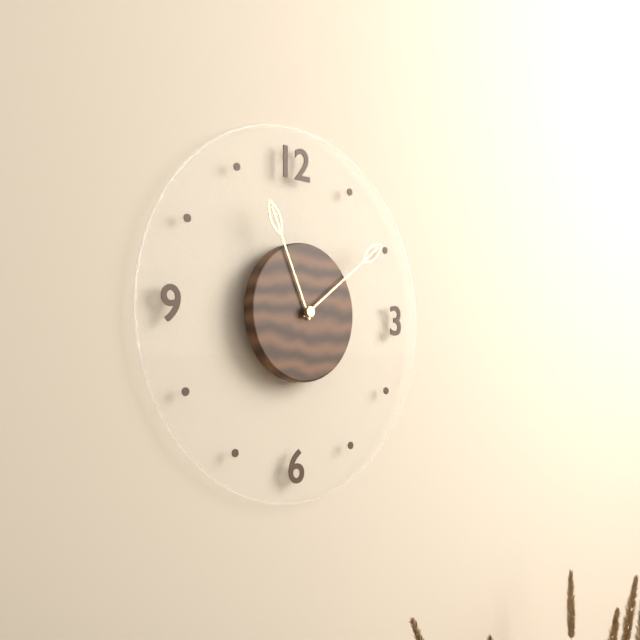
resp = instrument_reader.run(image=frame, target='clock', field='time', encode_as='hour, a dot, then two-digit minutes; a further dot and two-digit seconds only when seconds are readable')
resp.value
11.09
